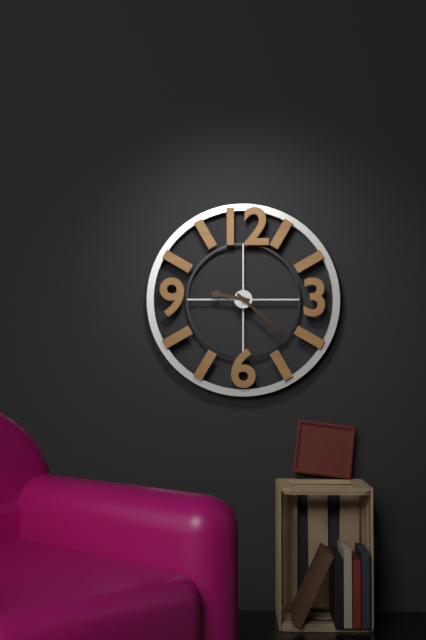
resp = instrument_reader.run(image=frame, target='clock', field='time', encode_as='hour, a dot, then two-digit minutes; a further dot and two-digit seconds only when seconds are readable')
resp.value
9.22
